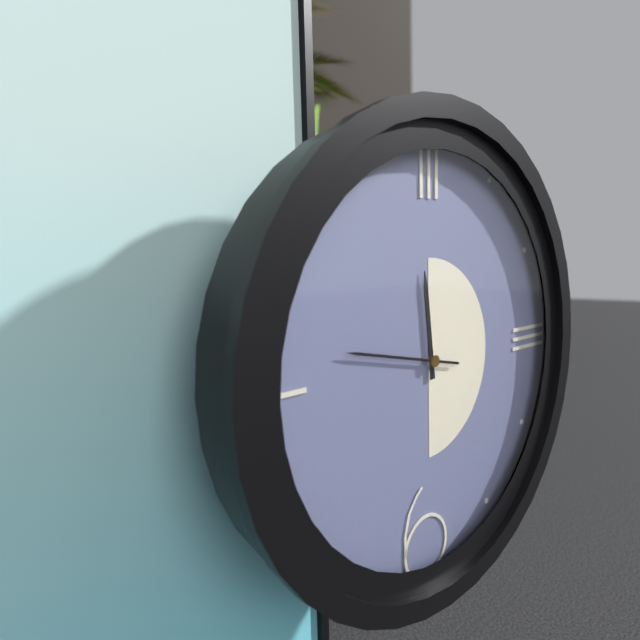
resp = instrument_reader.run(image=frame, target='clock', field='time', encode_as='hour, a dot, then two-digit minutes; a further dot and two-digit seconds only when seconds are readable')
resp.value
11.47
